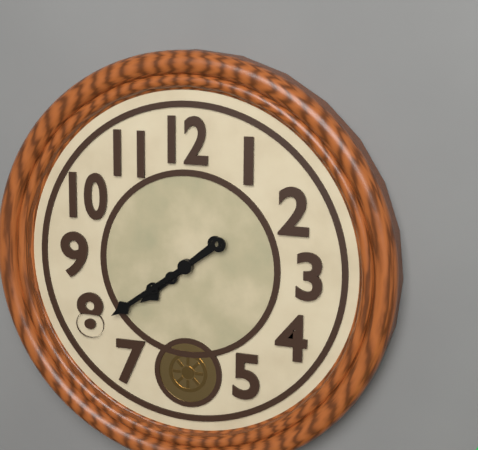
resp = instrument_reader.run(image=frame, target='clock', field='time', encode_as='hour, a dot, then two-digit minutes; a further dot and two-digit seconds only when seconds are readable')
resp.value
7.39
